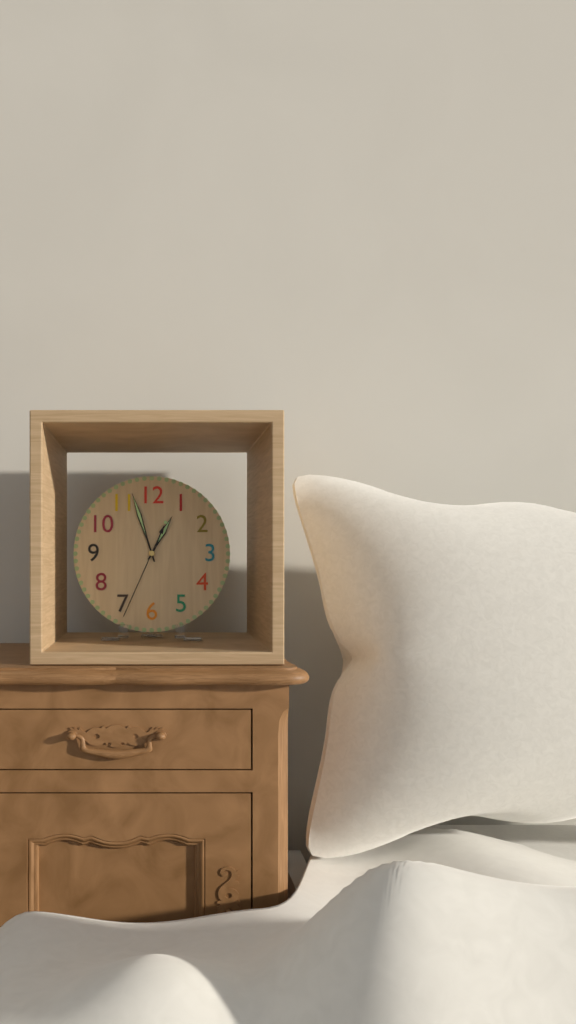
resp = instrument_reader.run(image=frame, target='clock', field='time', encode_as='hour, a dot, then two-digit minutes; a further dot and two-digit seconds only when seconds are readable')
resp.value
12.57.34
